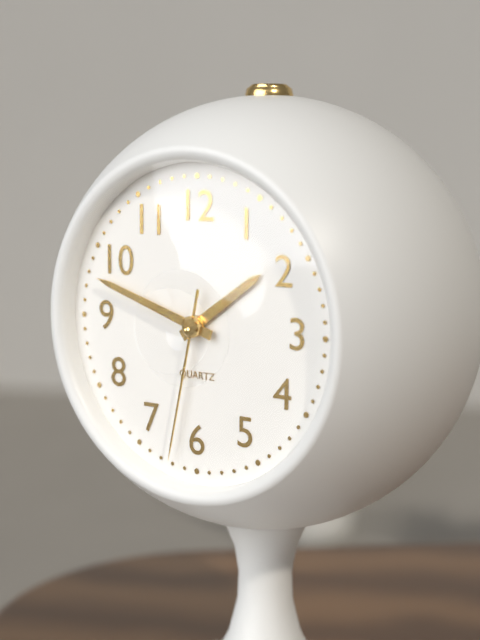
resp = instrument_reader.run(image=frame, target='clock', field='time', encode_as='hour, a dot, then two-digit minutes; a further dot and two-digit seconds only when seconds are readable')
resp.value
1.48.32
